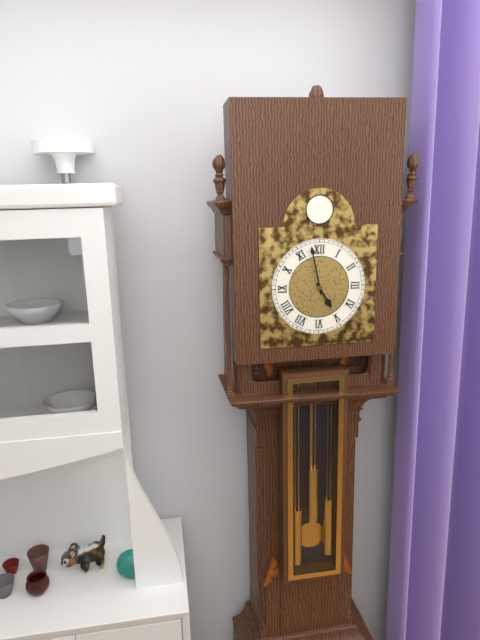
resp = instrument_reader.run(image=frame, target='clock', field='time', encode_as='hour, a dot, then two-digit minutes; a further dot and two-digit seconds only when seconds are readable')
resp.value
4.58
